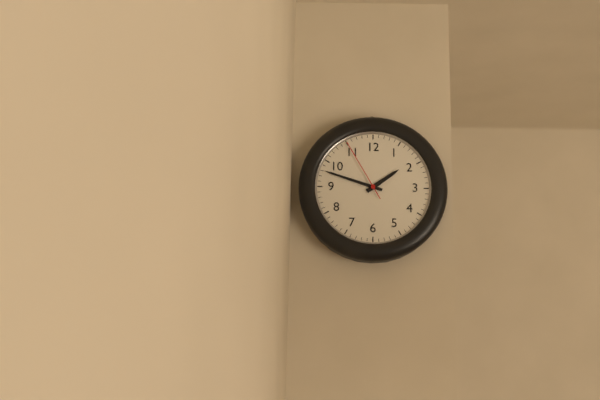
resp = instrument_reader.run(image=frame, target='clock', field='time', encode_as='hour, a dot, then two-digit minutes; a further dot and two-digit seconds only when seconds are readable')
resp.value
1.48.55
